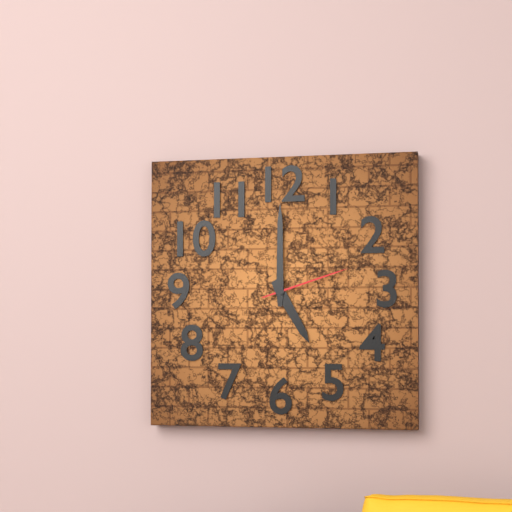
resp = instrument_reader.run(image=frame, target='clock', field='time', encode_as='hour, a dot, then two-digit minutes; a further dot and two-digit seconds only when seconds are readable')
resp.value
5.00.12
